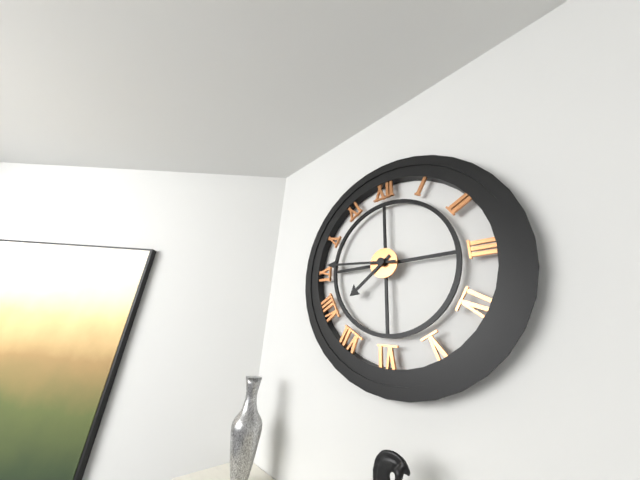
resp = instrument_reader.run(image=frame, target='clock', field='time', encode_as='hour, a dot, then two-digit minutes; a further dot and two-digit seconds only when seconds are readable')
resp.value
7.46
